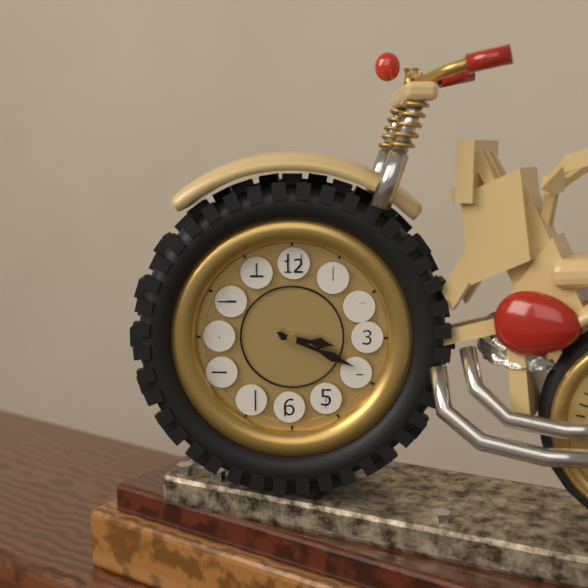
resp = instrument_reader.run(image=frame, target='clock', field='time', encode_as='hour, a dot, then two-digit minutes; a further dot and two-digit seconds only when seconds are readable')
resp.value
3.19
